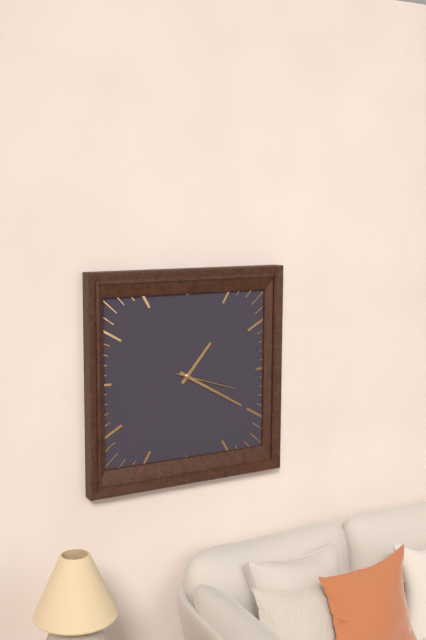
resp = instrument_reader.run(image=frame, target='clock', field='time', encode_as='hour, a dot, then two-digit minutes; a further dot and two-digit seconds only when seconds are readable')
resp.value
1.20.18
